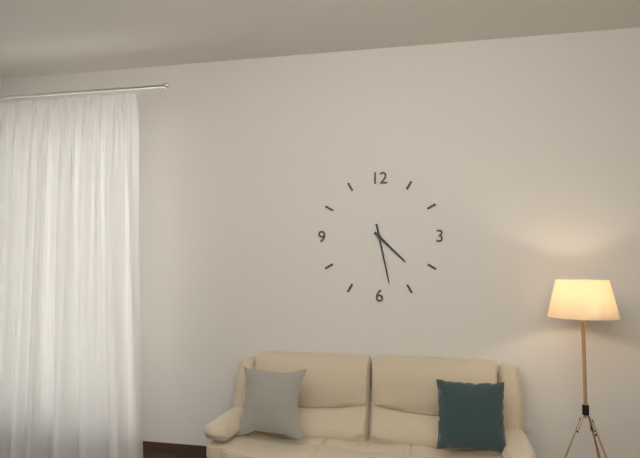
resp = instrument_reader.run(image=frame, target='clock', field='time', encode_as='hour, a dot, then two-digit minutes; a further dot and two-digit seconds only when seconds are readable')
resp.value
4.28
